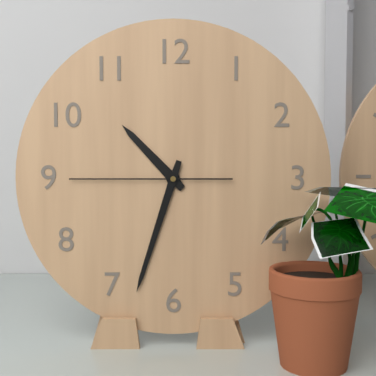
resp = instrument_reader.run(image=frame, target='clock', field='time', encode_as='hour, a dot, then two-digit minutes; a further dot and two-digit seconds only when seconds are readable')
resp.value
10.33.45
